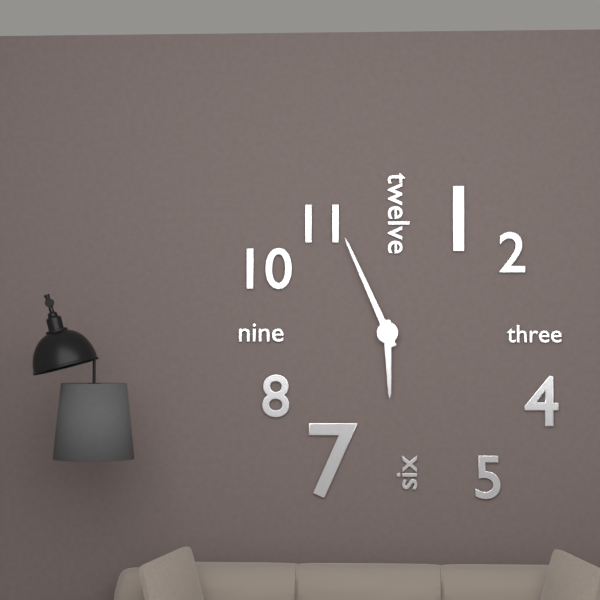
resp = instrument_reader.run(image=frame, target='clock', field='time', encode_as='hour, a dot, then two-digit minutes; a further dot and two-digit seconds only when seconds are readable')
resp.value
5.56
